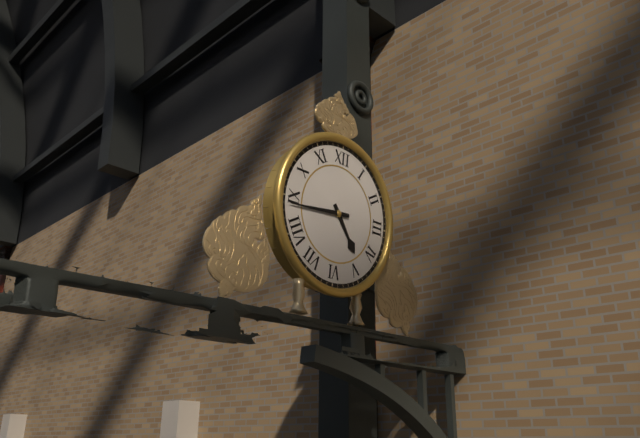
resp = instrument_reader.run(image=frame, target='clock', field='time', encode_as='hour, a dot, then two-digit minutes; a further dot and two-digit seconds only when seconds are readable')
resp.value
4.44
